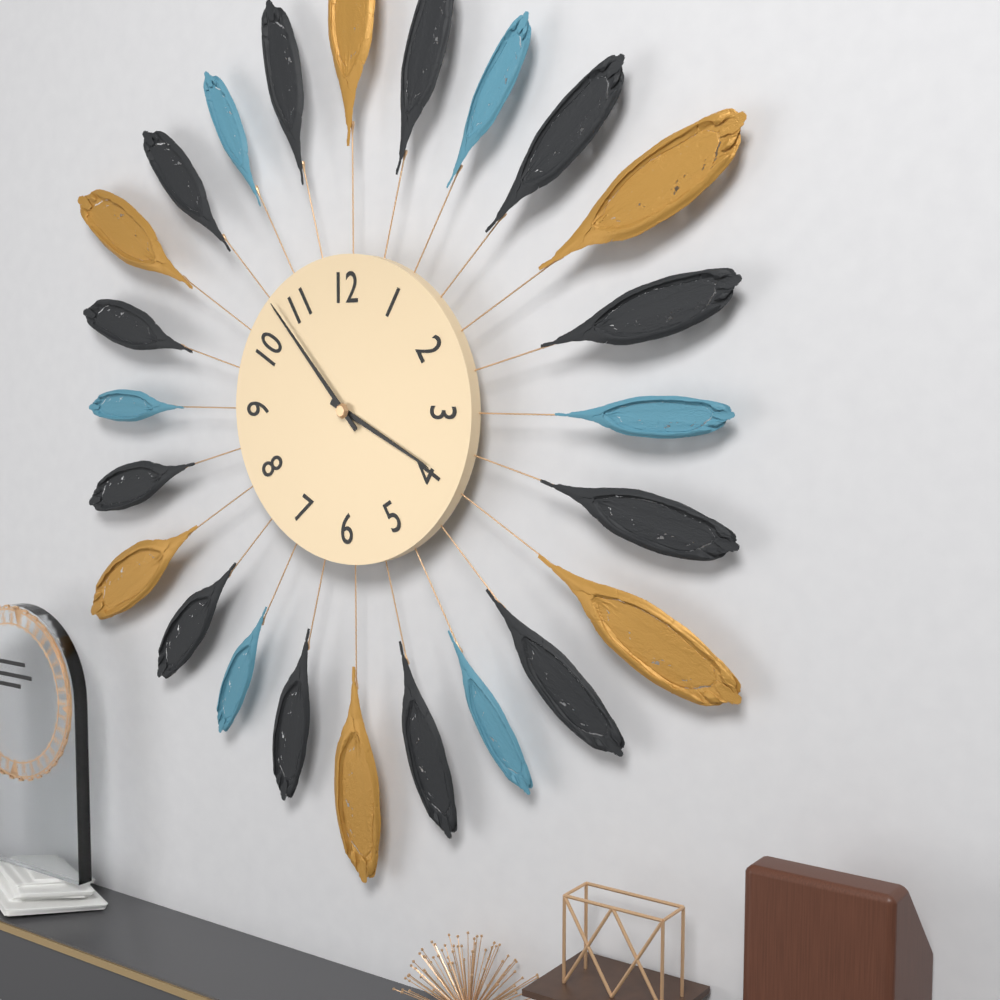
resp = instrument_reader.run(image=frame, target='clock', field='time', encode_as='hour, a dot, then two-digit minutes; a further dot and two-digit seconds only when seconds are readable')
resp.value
3.53
